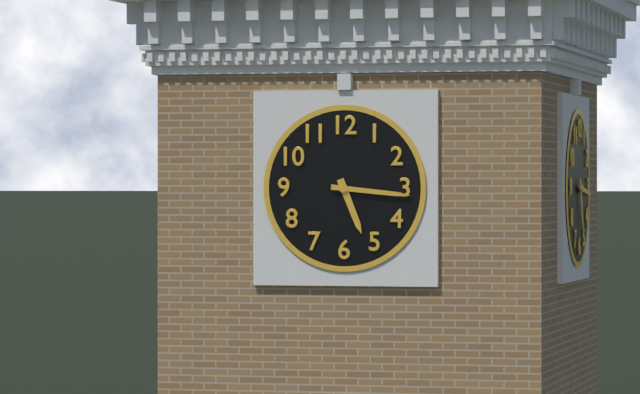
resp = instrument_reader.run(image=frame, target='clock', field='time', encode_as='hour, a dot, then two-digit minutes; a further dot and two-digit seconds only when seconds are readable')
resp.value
5.16
